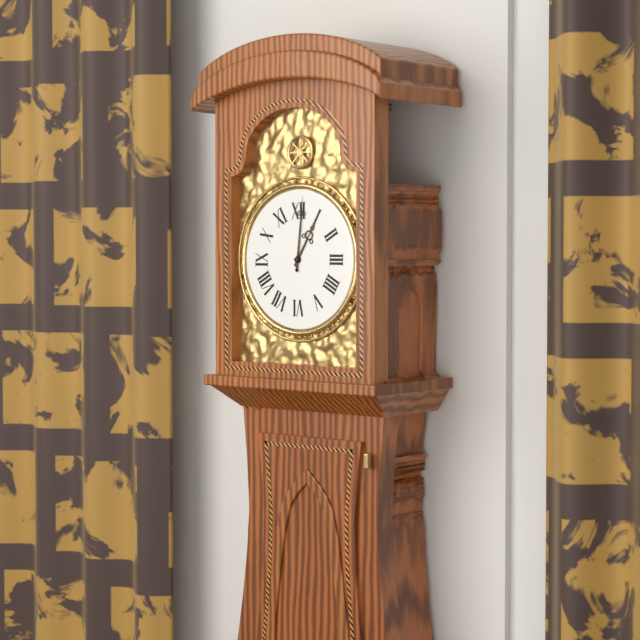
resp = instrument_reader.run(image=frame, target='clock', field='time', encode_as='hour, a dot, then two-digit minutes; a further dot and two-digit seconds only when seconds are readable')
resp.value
1.01
